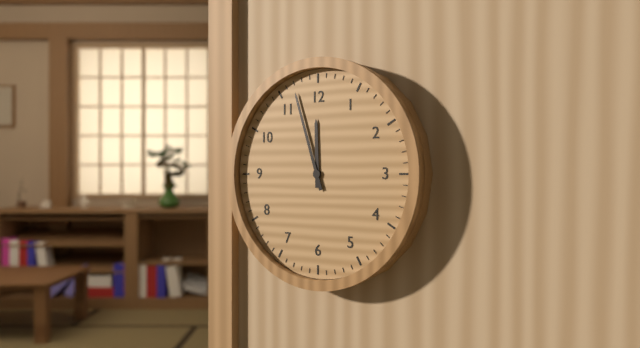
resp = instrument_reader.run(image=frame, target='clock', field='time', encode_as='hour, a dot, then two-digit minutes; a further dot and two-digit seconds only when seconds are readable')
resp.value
11.57
